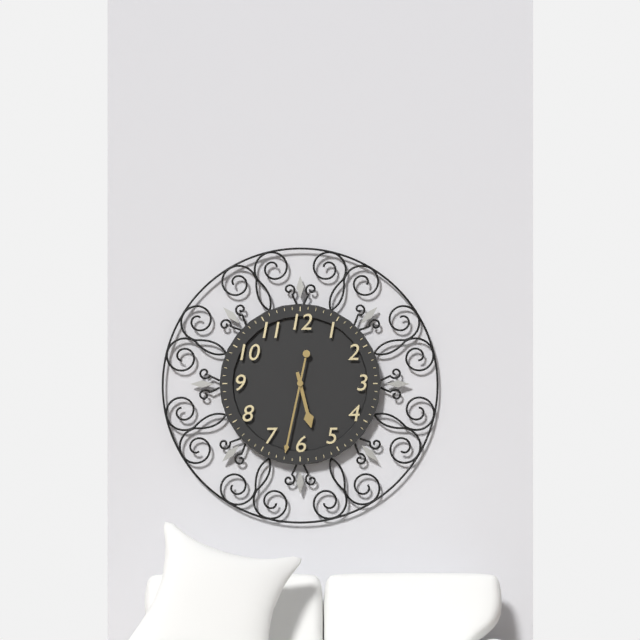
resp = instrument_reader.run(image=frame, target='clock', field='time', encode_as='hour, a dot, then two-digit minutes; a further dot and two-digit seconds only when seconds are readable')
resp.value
5.32
